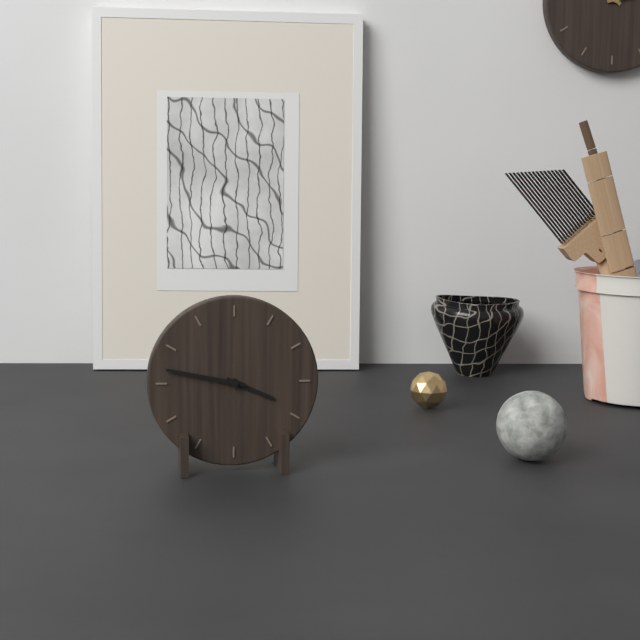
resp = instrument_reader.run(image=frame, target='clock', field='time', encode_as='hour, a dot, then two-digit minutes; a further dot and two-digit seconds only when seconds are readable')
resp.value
3.47
